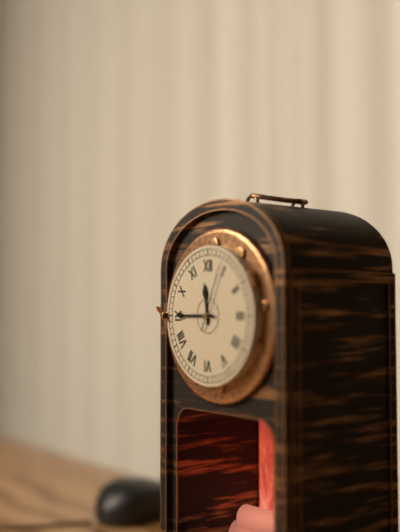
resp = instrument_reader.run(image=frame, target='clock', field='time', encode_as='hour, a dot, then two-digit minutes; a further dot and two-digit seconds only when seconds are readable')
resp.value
11.45.04
